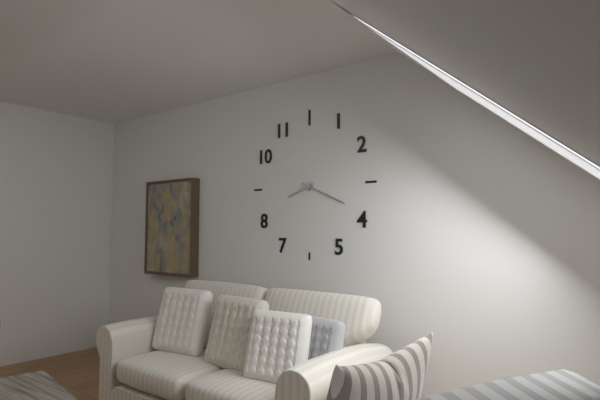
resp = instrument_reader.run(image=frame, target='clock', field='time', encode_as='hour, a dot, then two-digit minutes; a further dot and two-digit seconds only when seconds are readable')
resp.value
8.19
